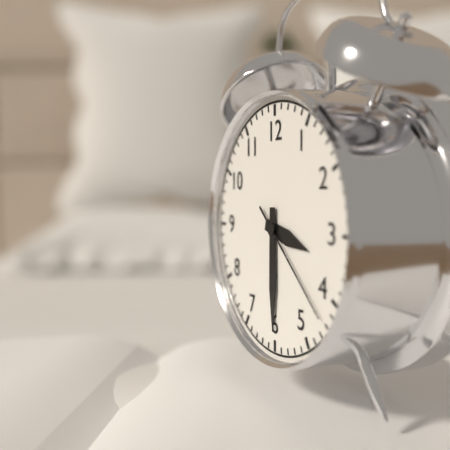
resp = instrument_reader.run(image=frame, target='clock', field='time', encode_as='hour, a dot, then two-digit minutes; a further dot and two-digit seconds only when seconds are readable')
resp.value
3.30.22
